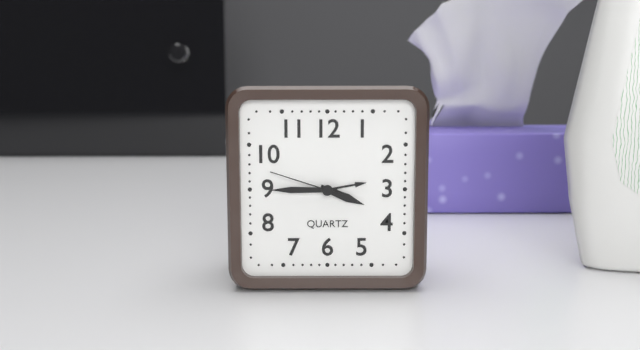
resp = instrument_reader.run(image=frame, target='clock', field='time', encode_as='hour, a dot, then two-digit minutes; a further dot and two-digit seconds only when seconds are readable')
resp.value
3.45.48
